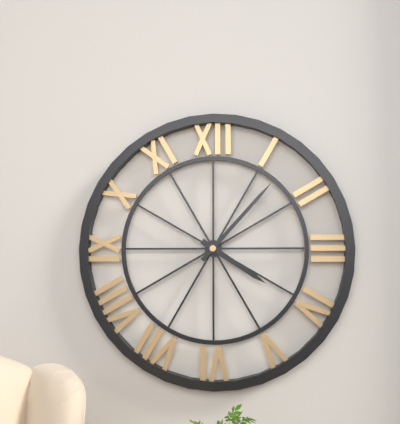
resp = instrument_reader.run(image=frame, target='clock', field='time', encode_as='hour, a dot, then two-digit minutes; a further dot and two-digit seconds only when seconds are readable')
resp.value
4.07
